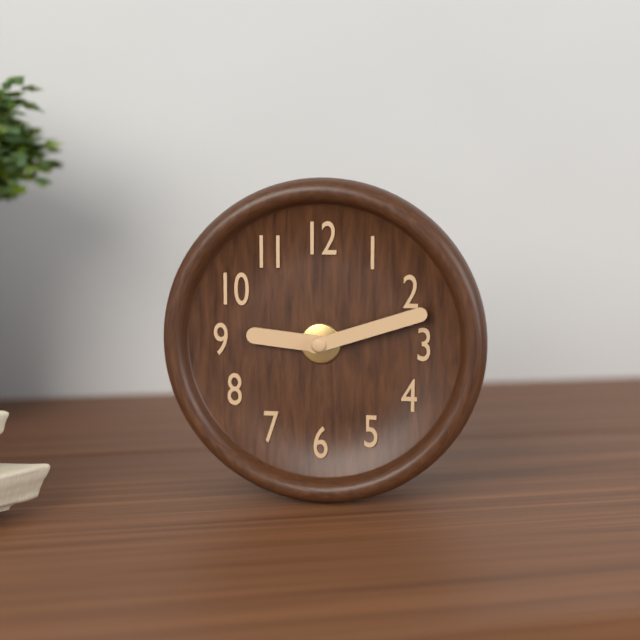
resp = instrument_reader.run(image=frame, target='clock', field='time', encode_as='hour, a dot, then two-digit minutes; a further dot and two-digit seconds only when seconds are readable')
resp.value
9.12
